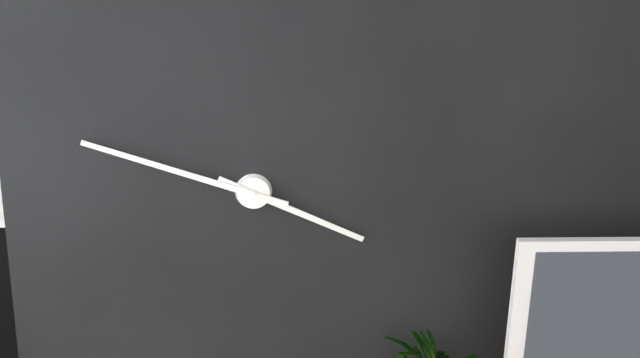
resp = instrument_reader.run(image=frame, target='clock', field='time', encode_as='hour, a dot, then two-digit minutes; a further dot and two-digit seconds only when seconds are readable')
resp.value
3.48
